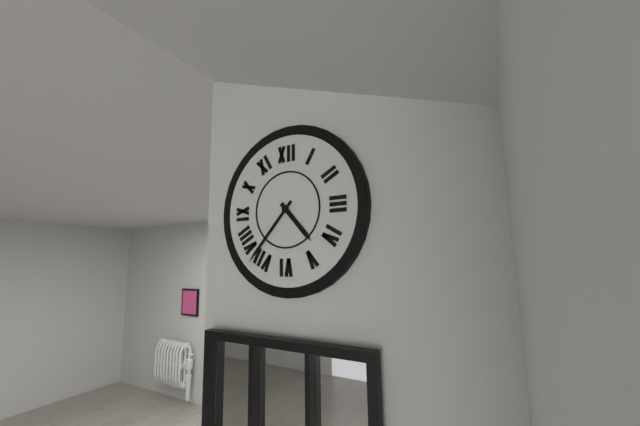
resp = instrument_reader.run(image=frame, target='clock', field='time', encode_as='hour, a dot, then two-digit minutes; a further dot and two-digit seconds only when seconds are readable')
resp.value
4.37
